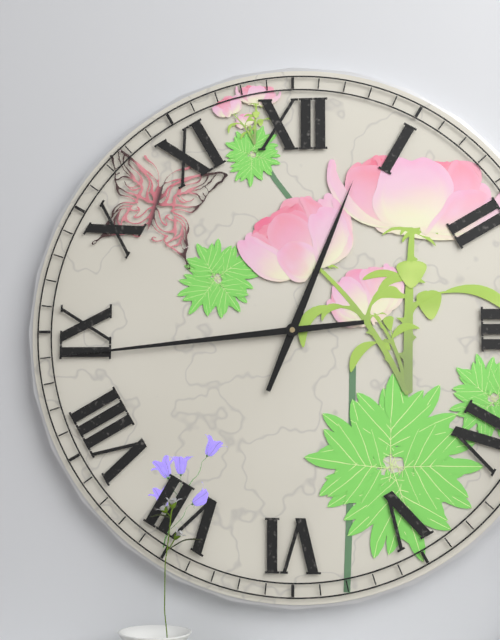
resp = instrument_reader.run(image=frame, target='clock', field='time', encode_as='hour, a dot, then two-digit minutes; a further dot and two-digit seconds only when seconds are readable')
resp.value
12.44
